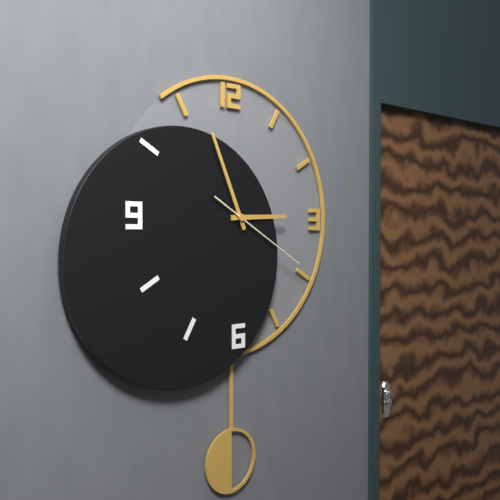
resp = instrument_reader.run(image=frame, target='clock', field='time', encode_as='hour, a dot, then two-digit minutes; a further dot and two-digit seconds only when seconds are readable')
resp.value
2.56.20
